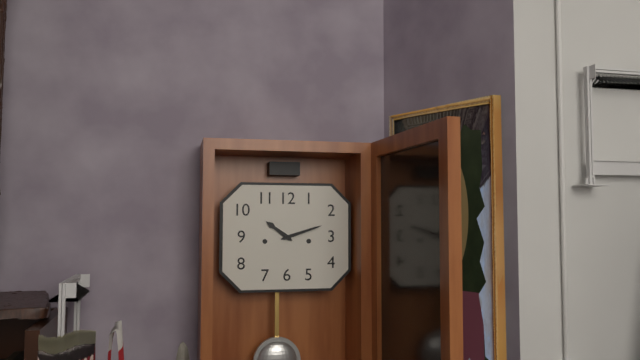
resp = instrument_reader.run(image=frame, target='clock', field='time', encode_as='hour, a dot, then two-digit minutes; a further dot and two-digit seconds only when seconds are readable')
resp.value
10.12
